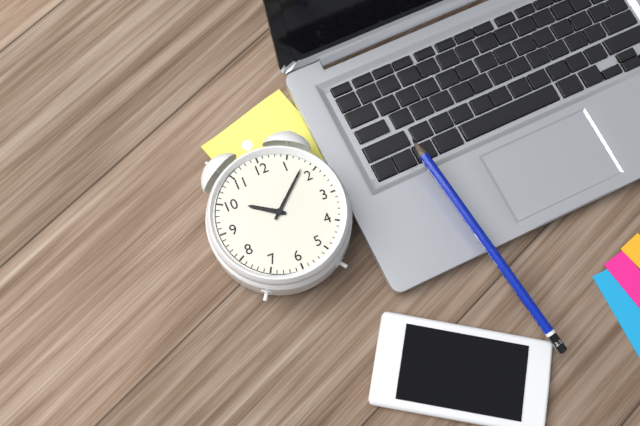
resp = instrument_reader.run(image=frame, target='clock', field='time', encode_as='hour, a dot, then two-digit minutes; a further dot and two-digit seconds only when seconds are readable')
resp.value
10.08
